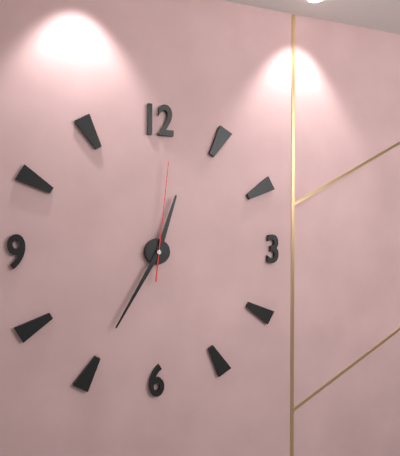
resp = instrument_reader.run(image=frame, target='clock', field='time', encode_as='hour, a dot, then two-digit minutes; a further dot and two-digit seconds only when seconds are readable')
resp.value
12.35.01
